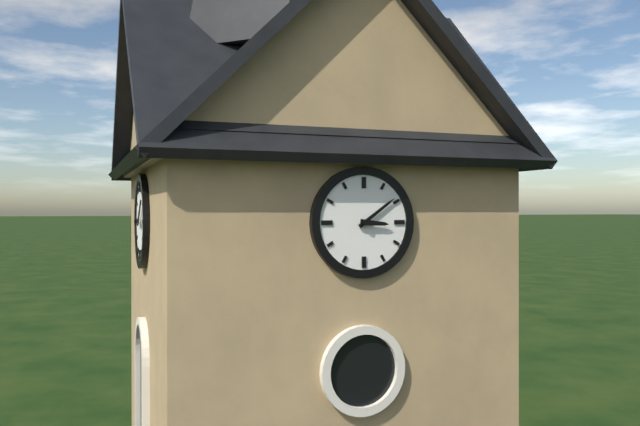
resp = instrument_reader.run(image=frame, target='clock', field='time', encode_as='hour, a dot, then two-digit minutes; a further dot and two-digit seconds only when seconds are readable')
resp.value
3.09
